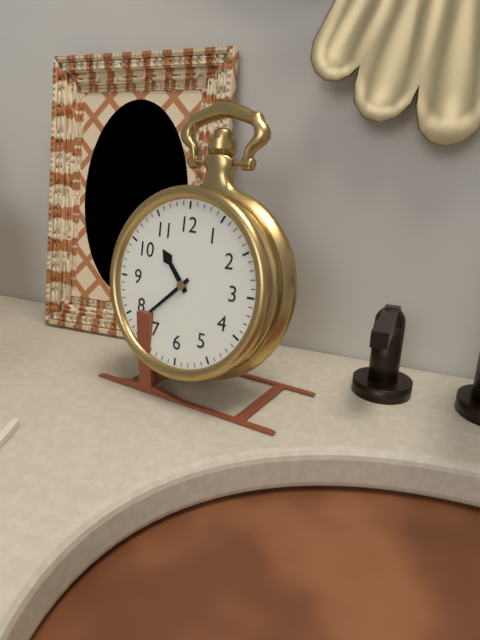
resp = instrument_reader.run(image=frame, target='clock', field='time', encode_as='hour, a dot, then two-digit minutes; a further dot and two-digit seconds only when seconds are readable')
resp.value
10.38
